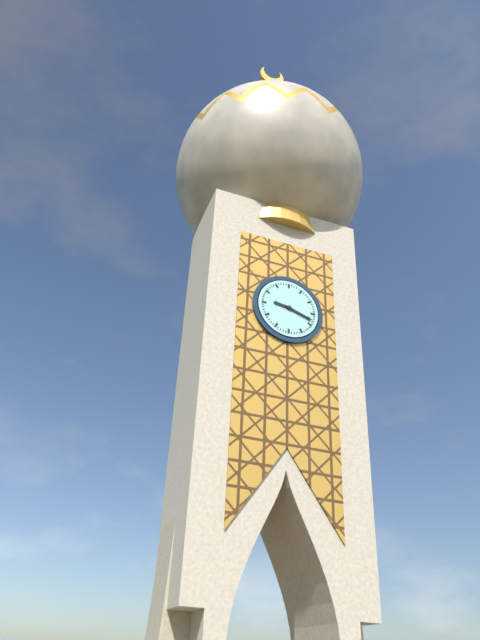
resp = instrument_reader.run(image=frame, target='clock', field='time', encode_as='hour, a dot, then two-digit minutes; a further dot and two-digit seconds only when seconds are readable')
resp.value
9.18
